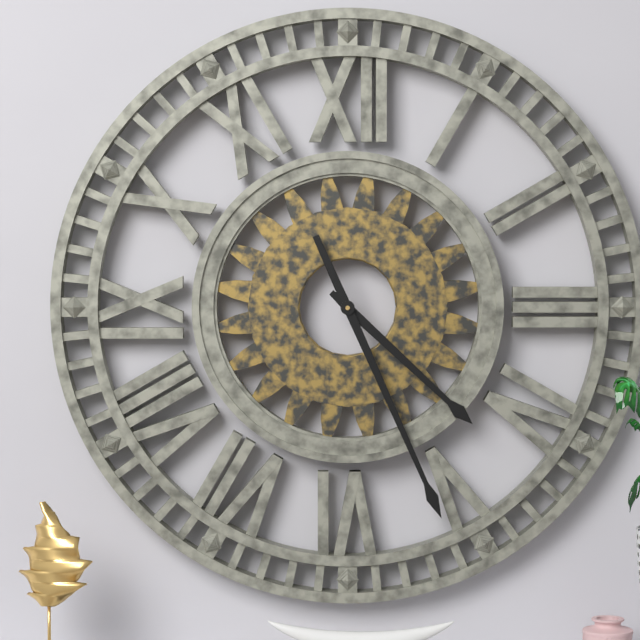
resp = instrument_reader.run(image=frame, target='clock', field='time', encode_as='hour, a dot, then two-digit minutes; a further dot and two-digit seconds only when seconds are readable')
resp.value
4.26
